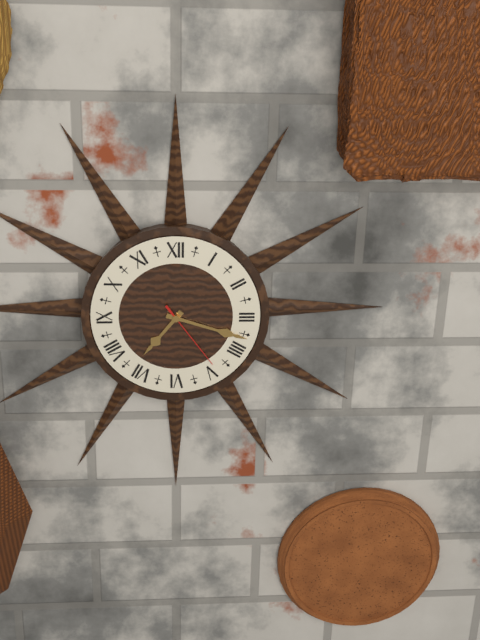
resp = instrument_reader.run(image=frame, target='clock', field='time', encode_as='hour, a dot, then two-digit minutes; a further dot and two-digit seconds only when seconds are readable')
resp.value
7.18.24
